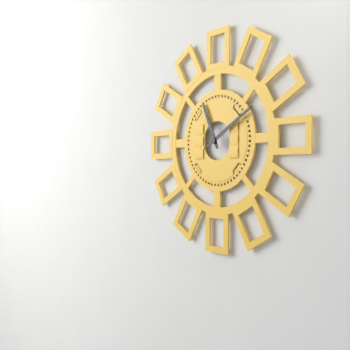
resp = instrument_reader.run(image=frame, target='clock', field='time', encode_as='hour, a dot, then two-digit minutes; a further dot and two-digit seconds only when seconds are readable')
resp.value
11.10
